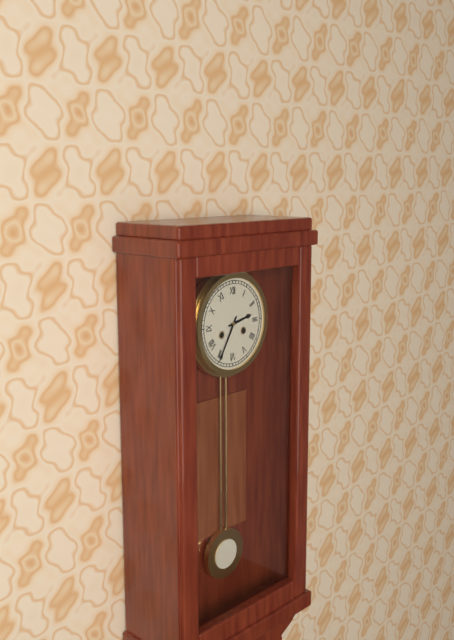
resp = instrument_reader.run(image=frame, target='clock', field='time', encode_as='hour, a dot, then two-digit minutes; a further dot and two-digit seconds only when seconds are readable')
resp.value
2.35
